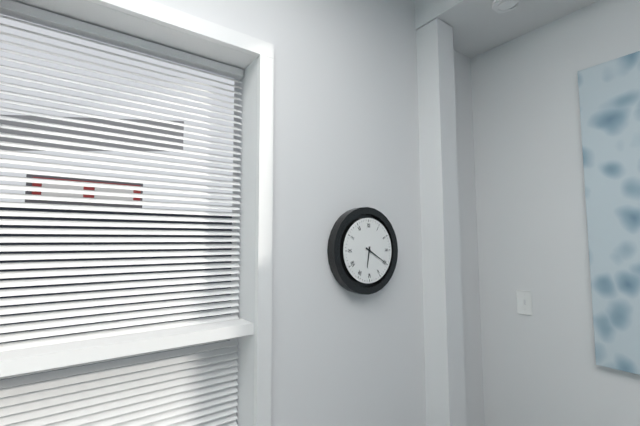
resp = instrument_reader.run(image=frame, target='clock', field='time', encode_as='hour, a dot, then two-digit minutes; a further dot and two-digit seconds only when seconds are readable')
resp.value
6.20
